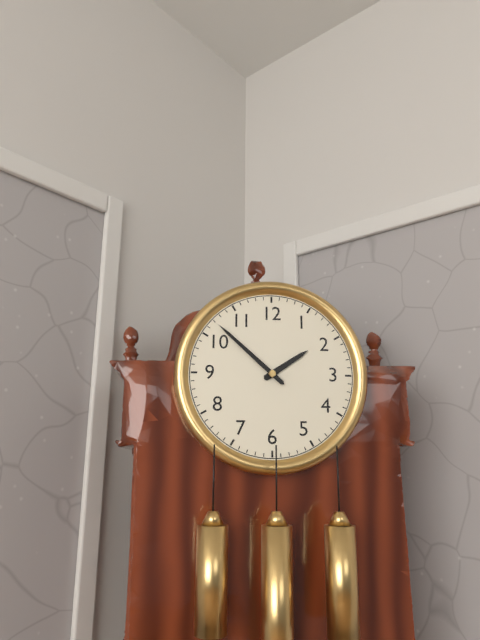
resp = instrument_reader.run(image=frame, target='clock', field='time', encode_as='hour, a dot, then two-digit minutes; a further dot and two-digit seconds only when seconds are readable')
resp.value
1.52
